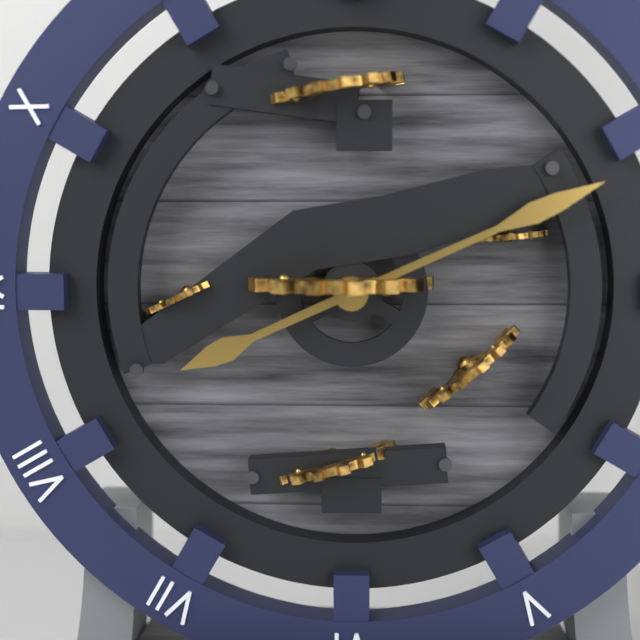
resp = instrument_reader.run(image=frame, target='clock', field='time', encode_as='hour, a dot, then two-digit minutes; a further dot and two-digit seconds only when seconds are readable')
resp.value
8.11
